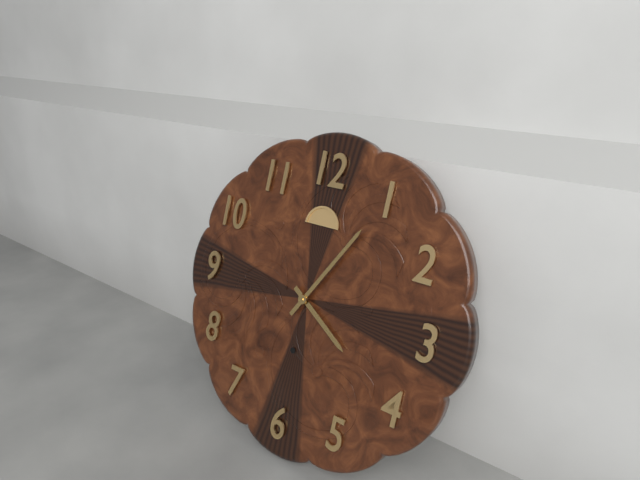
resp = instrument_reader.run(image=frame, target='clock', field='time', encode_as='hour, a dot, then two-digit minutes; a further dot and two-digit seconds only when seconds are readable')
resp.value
4.05
